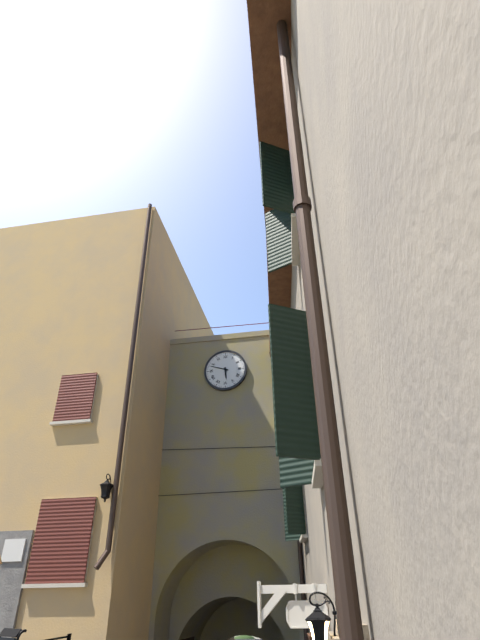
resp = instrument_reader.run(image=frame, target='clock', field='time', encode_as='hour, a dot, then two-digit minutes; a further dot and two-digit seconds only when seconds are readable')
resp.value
5.48
